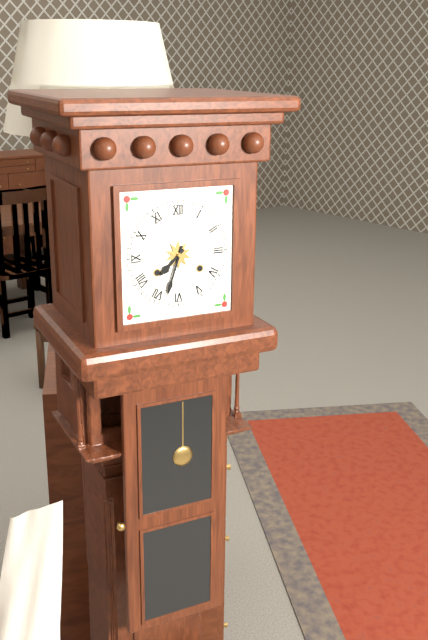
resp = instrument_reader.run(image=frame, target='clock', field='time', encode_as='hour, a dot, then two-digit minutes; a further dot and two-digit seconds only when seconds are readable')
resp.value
7.33
